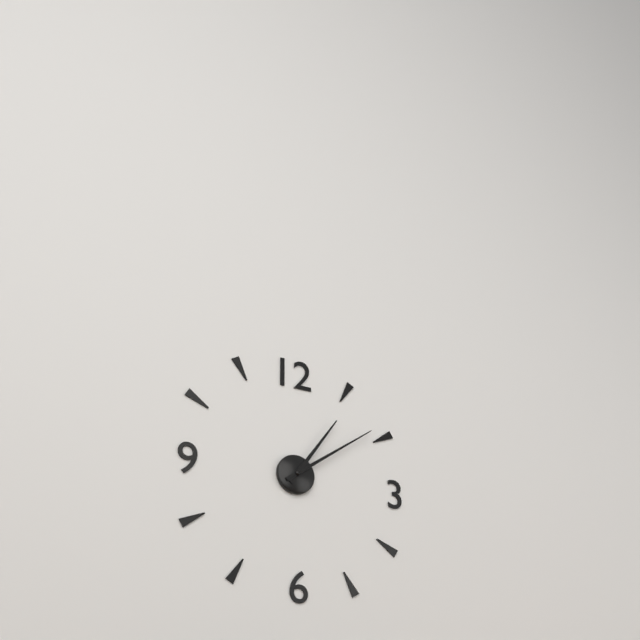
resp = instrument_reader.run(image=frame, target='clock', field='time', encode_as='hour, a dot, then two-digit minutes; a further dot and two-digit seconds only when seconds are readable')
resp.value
1.09
